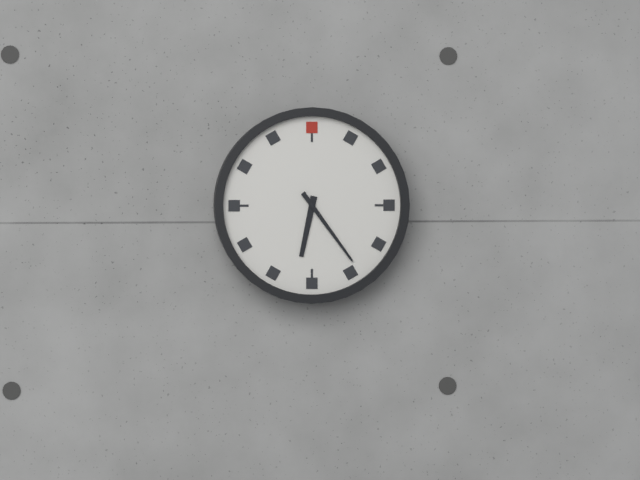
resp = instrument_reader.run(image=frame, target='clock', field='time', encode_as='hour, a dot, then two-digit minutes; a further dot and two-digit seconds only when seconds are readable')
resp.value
6.24
